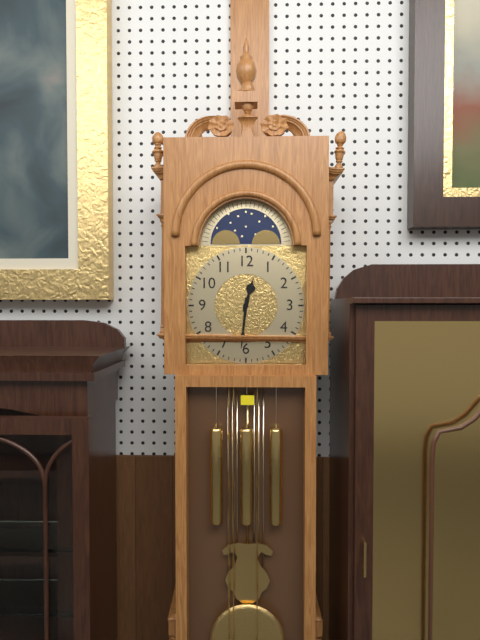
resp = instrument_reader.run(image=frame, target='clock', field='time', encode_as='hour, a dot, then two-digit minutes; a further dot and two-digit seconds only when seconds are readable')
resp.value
12.31
